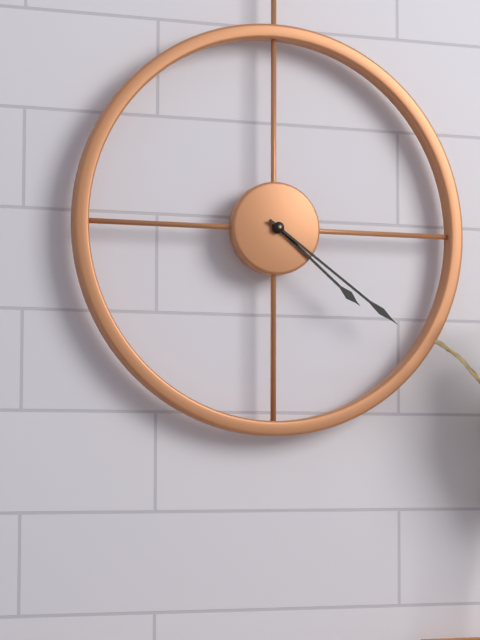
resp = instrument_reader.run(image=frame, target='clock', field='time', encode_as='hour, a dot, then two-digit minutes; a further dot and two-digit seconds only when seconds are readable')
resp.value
4.21
